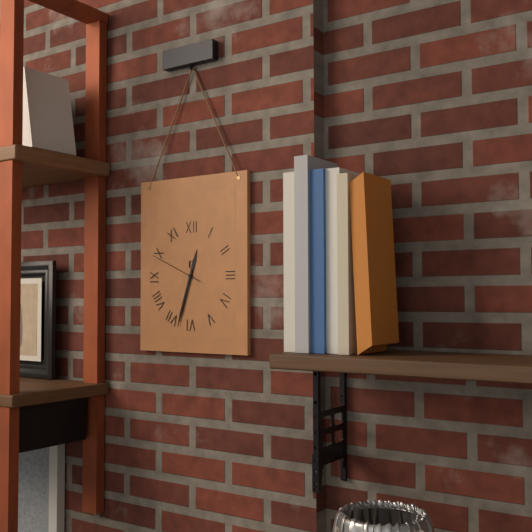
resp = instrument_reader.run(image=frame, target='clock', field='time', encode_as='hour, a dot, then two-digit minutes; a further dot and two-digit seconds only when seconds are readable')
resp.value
12.33.49
